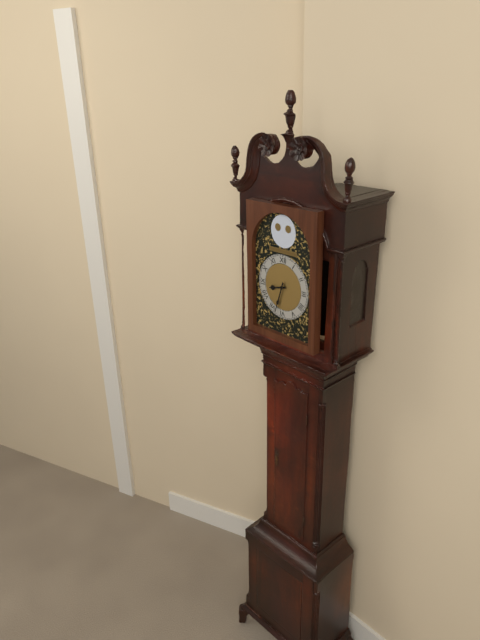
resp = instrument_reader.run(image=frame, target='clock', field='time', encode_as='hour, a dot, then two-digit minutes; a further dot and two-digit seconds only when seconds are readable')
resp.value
8.33
